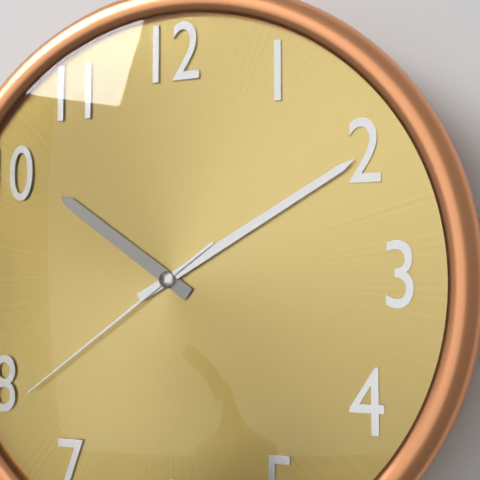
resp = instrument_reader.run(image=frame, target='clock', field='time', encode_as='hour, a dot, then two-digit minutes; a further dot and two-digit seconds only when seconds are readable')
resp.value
10.10.39
